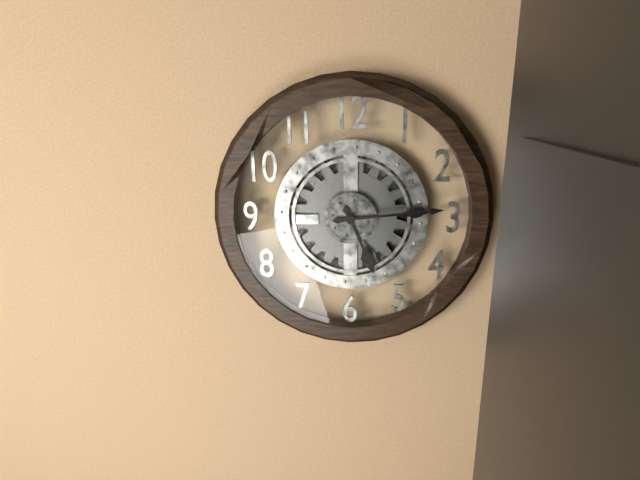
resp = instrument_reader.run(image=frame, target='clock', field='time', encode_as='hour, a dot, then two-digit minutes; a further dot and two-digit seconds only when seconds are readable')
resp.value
5.14
